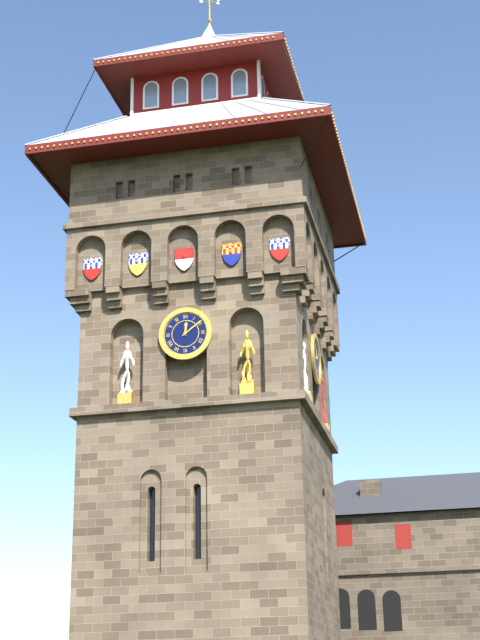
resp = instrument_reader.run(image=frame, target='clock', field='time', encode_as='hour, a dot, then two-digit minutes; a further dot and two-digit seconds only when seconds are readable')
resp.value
12.09
